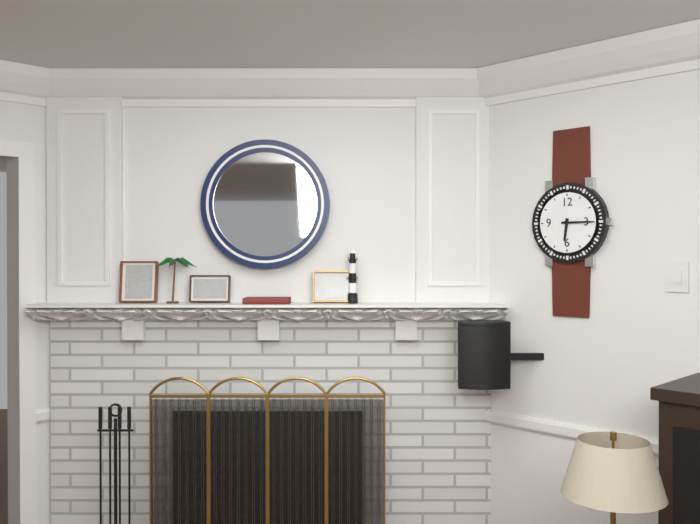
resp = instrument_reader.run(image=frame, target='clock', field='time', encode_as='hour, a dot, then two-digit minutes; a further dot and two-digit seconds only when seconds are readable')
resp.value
6.15
